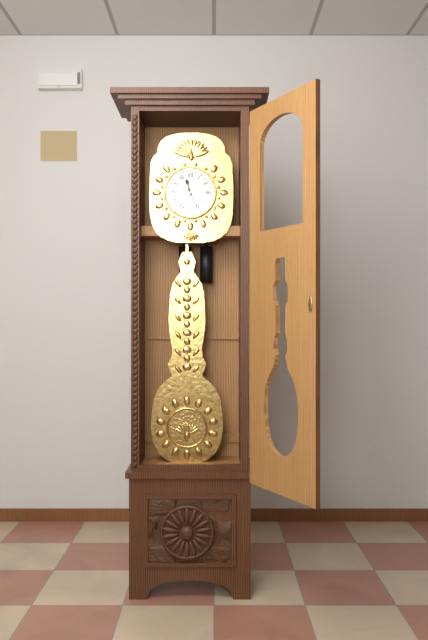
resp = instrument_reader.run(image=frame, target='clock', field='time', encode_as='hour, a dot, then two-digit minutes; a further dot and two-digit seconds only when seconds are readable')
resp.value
11.26
